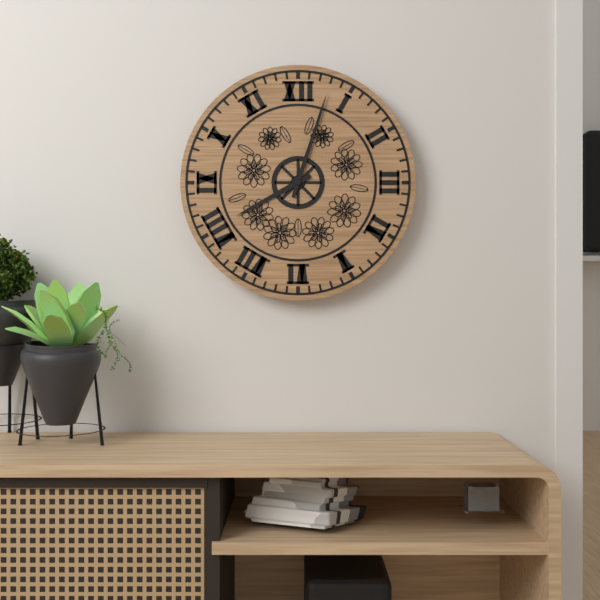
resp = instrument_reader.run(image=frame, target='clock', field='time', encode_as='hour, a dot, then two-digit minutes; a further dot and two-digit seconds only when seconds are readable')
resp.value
8.03
